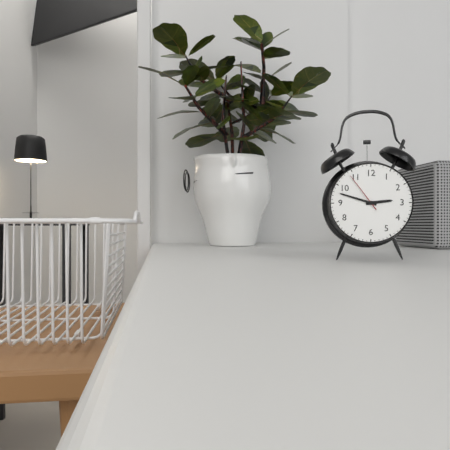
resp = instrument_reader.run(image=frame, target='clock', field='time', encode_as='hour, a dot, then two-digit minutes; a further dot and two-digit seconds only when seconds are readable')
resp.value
2.48
